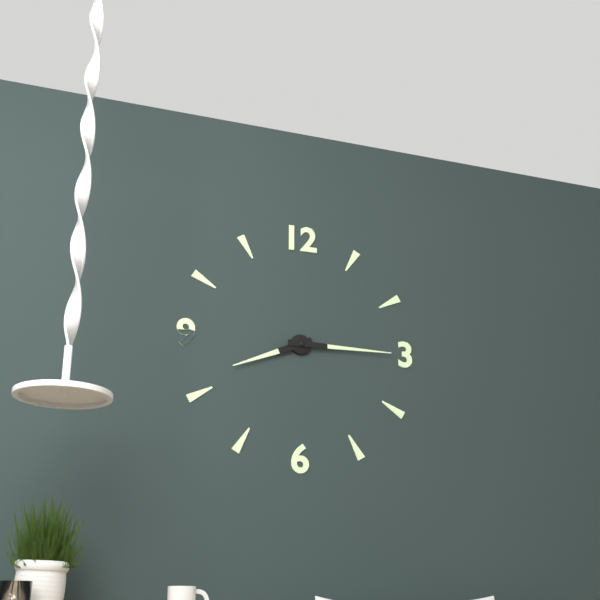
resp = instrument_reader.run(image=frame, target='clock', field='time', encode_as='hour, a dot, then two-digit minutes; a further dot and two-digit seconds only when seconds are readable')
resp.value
8.15
